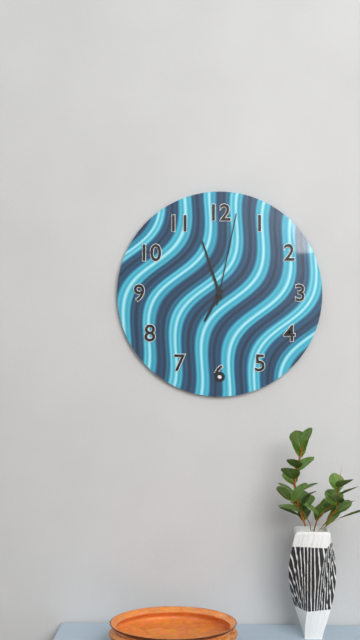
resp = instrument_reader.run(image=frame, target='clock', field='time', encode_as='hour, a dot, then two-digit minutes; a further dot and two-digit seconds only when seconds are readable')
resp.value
6.57.02
